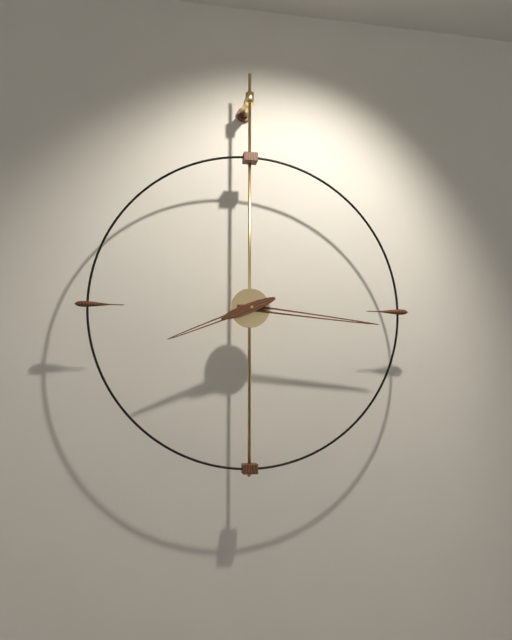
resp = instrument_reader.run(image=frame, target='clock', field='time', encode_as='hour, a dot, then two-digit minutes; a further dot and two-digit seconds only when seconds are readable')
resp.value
8.16
